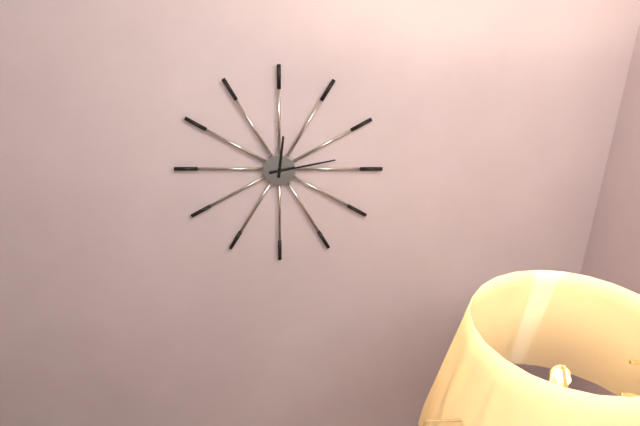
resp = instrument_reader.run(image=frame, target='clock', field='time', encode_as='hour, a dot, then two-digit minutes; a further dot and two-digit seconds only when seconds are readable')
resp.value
12.13
